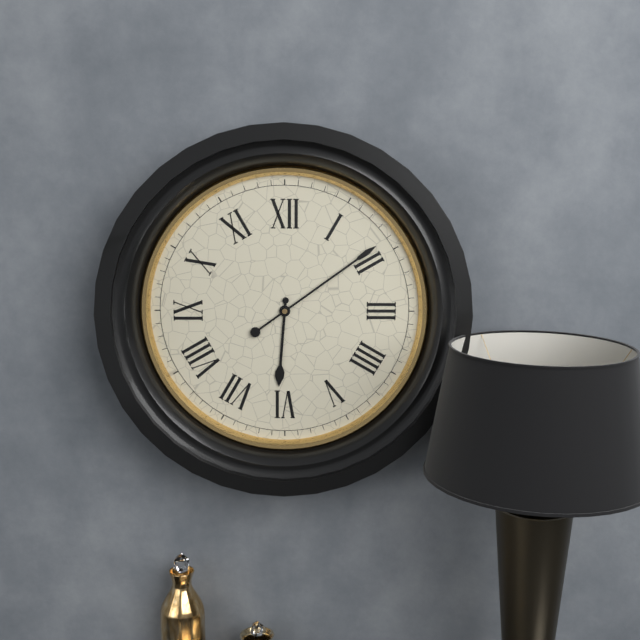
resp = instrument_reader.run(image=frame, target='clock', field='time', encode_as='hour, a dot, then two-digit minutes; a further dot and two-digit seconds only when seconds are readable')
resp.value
6.09
